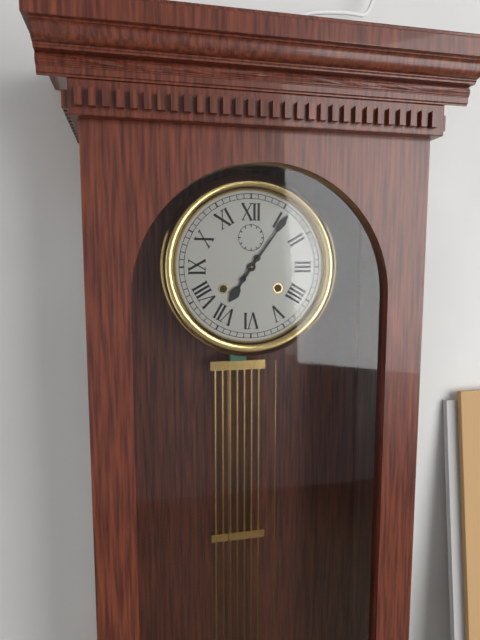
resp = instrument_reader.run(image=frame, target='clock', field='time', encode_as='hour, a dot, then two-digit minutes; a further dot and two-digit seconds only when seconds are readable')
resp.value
7.06
